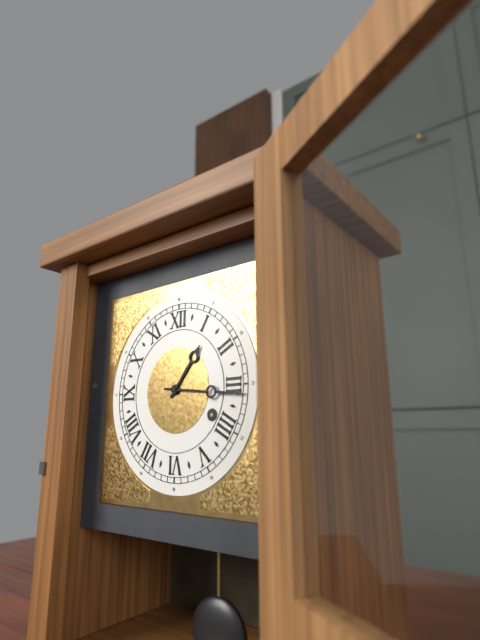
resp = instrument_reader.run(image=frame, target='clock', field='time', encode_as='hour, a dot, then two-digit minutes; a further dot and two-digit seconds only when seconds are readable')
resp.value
1.16
